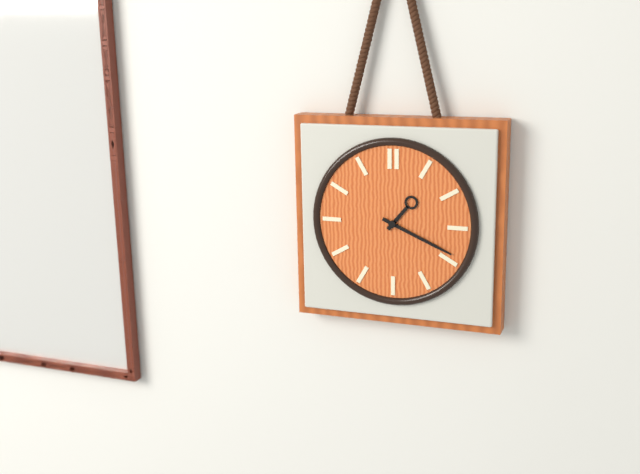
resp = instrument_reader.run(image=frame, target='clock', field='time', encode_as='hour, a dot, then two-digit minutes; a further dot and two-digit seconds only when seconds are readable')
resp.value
1.19
